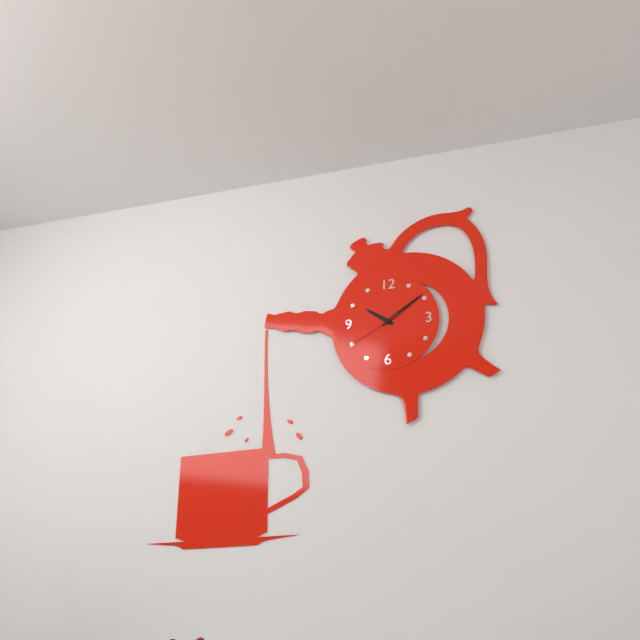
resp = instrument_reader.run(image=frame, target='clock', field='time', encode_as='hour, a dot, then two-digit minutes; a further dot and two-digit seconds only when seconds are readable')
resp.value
10.09.40
